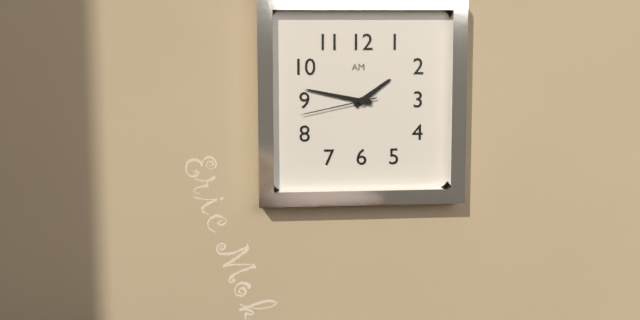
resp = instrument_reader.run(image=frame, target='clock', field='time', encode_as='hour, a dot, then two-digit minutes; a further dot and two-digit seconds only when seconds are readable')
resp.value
1.47.43
